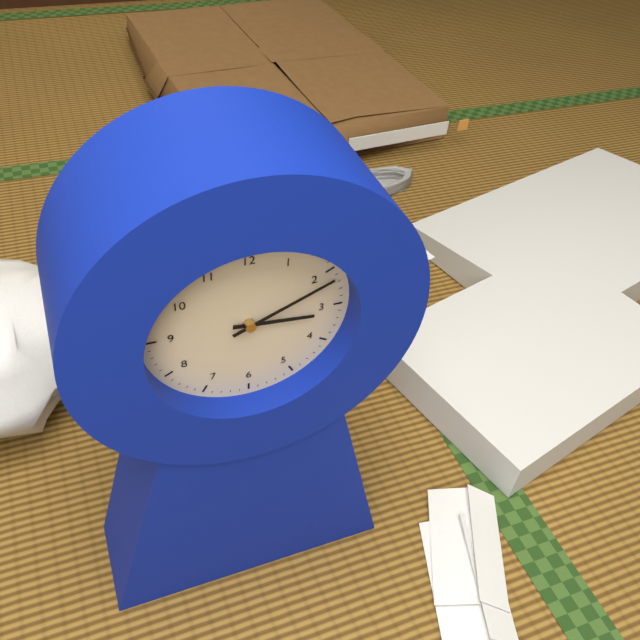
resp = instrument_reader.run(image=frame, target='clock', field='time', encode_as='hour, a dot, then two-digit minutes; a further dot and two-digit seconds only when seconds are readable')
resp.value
3.11
